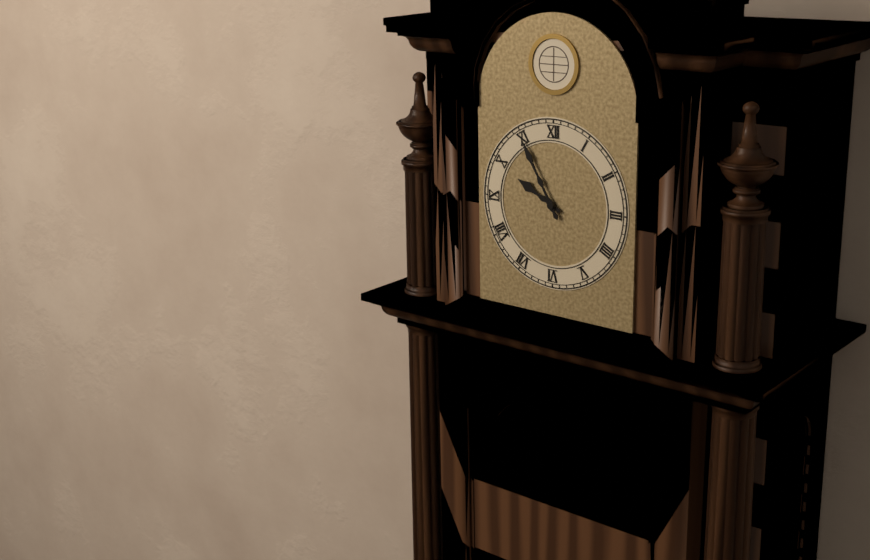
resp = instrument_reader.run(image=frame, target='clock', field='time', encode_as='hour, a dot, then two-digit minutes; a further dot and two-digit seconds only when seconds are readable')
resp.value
9.55
